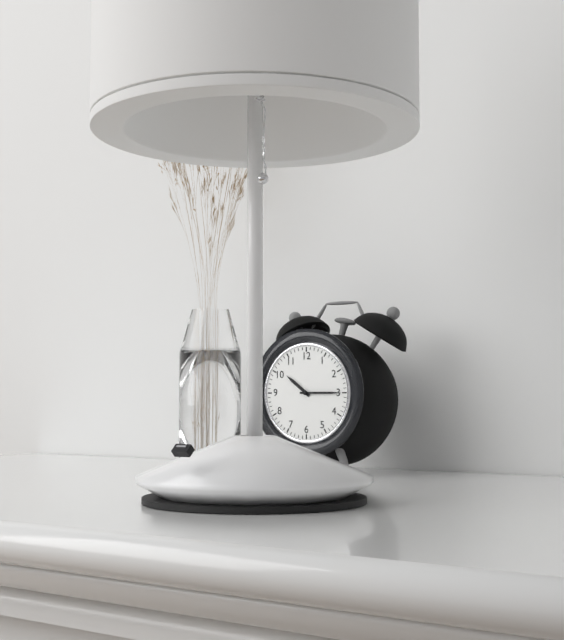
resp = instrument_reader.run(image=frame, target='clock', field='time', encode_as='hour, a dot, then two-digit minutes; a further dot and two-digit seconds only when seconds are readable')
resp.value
10.15
